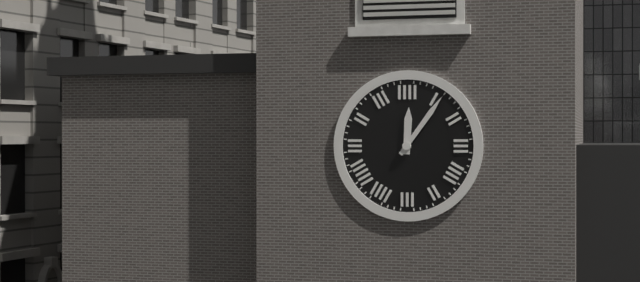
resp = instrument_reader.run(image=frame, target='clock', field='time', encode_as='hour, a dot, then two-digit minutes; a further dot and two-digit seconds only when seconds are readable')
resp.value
12.06
